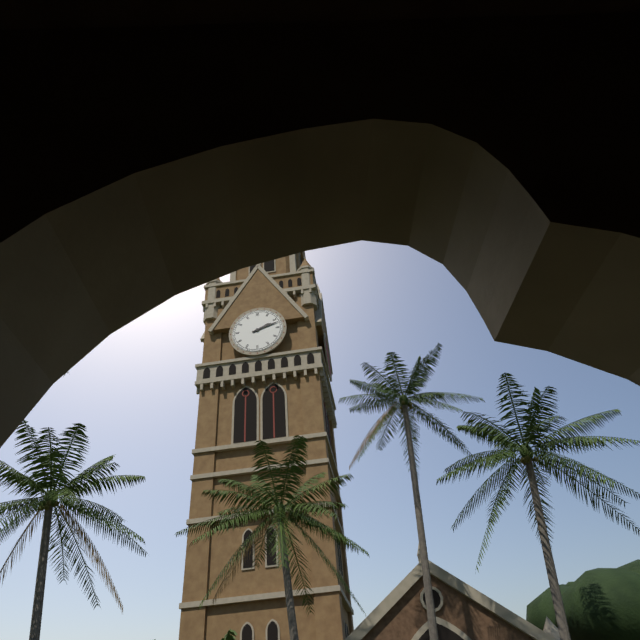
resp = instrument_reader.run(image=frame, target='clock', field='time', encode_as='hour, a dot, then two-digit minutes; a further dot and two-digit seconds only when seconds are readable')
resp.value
2.12
